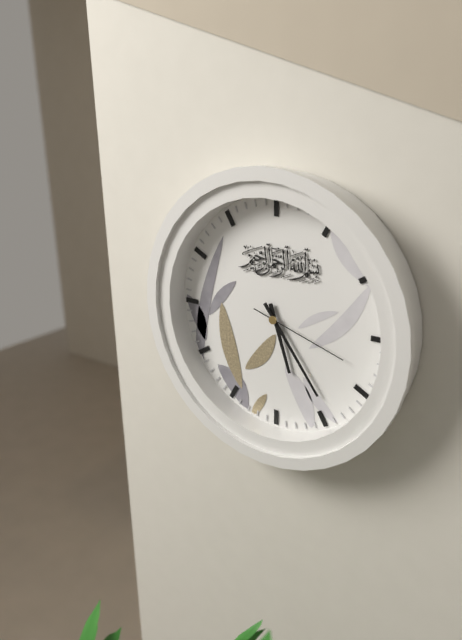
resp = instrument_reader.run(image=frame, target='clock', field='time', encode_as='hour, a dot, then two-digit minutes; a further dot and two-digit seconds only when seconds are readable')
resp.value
5.24.18
